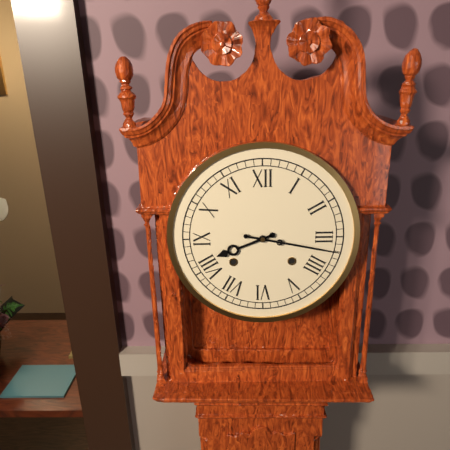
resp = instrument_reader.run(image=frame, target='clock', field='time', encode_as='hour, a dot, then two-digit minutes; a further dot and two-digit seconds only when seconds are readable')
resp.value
8.17
